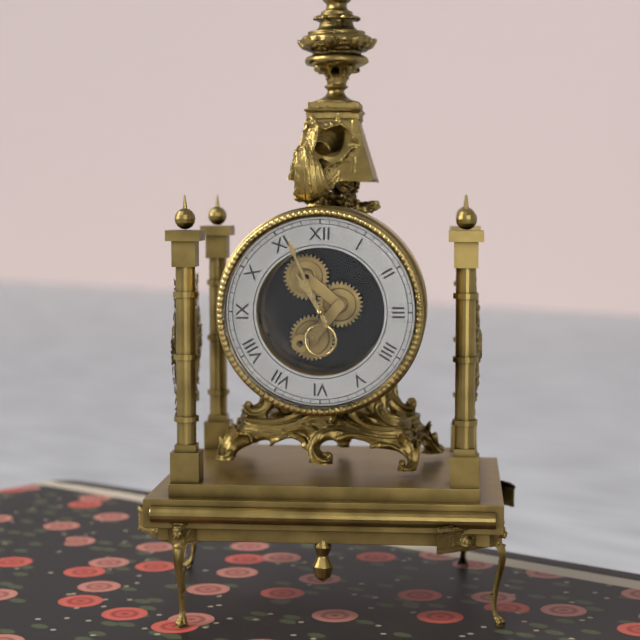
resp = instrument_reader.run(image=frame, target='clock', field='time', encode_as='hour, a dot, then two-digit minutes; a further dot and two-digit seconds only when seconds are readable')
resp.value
10.56
